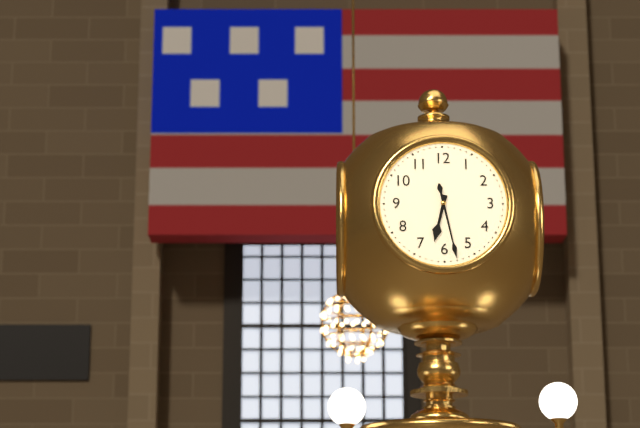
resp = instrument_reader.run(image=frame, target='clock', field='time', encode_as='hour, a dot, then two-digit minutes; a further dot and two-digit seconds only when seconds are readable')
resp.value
6.28
